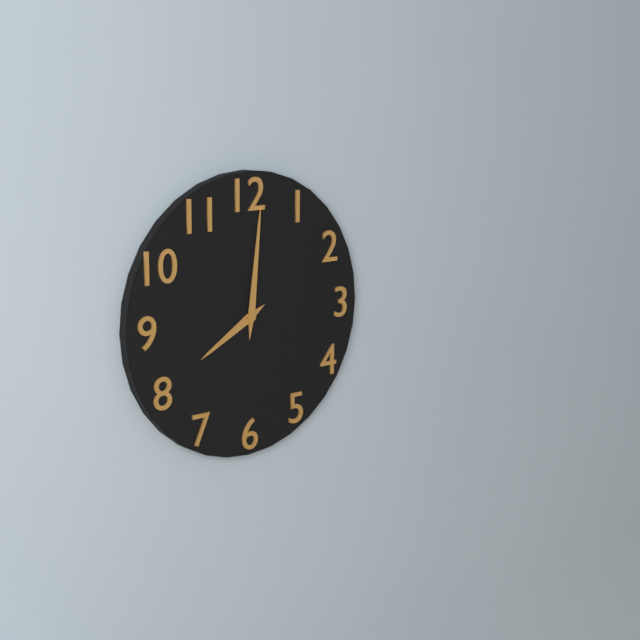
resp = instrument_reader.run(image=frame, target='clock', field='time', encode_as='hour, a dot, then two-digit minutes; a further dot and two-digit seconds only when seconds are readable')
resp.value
8.01
